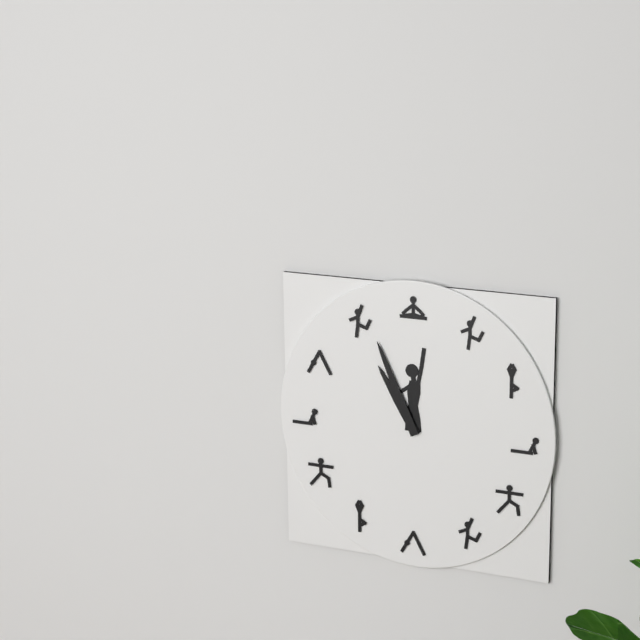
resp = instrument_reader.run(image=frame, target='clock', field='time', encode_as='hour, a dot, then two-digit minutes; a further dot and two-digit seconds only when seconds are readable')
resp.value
10.56
